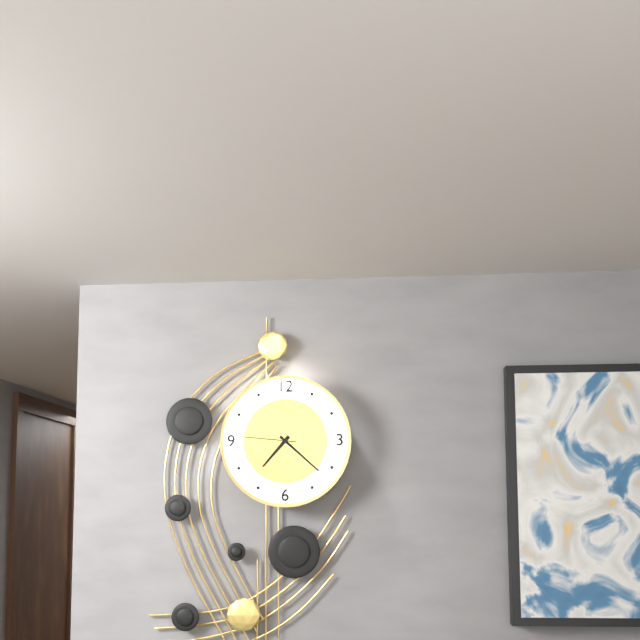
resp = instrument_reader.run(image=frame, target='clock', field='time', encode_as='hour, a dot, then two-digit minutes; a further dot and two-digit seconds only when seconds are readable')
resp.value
7.22.46
